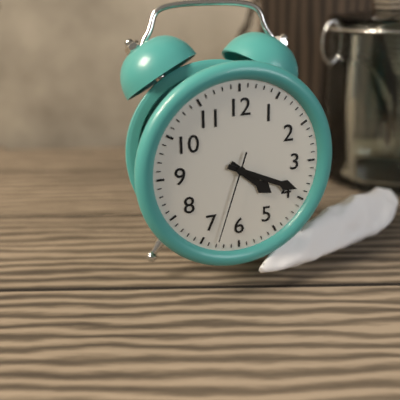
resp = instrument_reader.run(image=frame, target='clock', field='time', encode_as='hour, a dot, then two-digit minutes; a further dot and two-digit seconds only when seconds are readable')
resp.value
4.19.33
